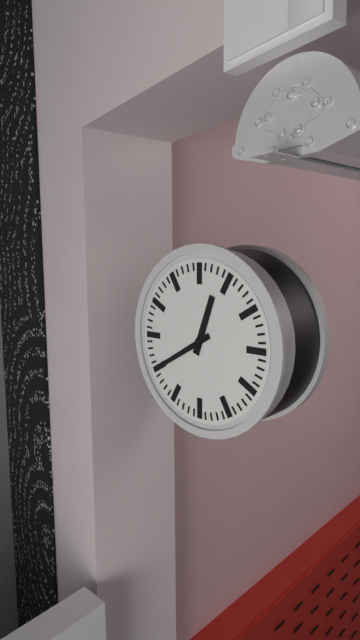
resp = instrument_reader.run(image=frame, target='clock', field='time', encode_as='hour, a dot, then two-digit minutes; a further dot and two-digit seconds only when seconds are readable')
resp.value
12.40
